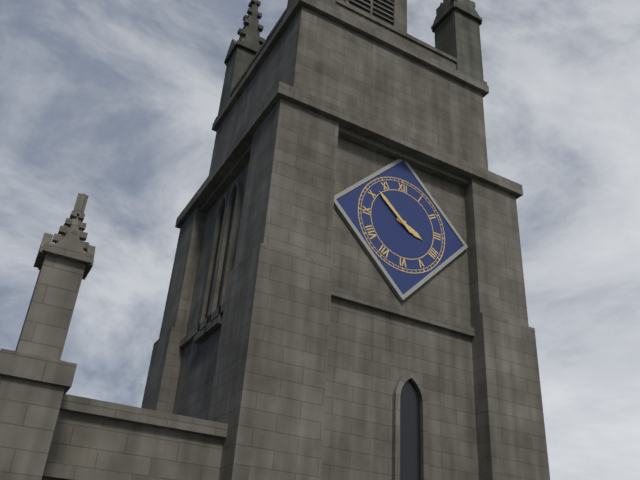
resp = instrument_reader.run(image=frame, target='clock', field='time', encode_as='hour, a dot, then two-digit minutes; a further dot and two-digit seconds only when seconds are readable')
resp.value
3.52
